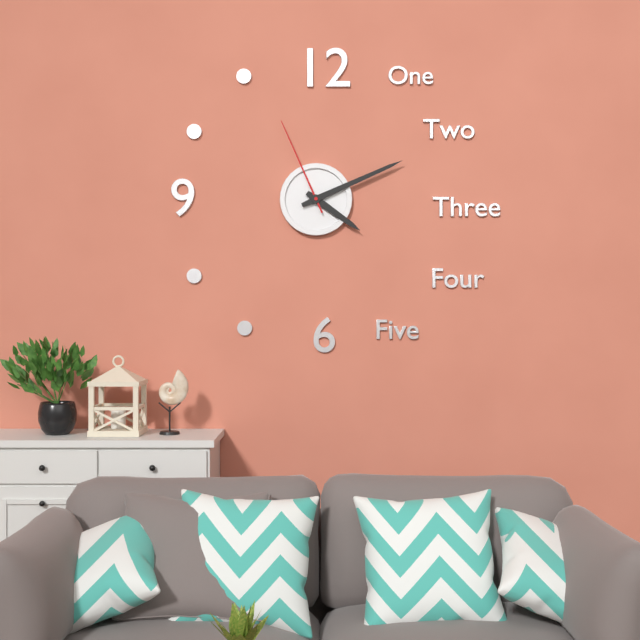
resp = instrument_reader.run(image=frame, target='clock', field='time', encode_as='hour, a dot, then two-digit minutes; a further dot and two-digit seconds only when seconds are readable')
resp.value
4.11.56
